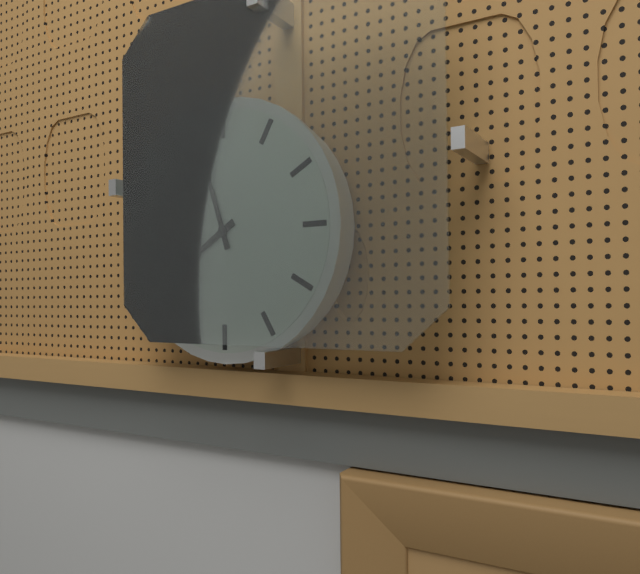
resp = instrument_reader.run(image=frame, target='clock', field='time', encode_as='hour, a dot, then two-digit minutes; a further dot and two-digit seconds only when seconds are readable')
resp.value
7.57
